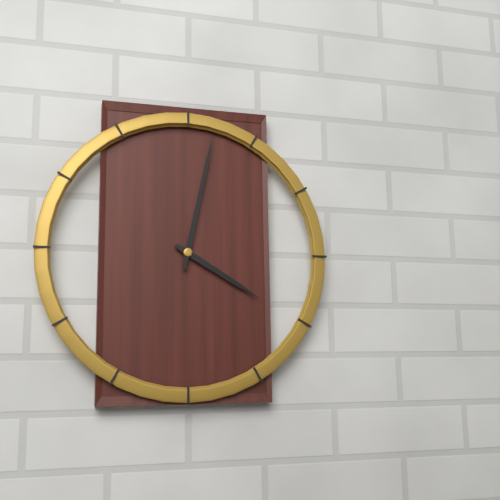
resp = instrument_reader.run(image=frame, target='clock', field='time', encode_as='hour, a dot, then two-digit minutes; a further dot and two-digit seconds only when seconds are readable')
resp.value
4.02
